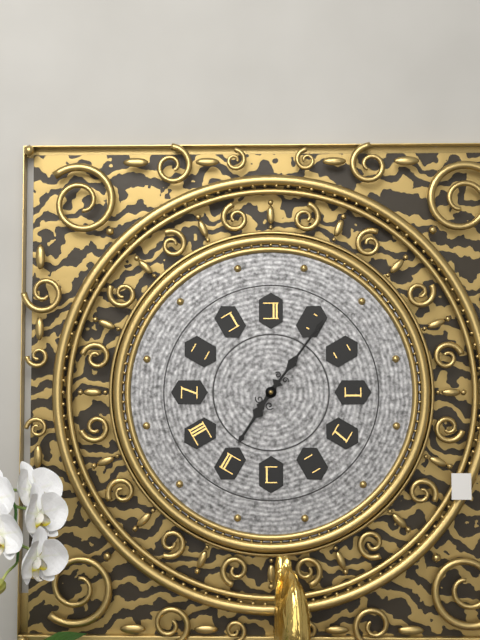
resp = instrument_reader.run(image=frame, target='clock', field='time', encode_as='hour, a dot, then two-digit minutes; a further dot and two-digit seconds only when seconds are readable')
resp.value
7.06
